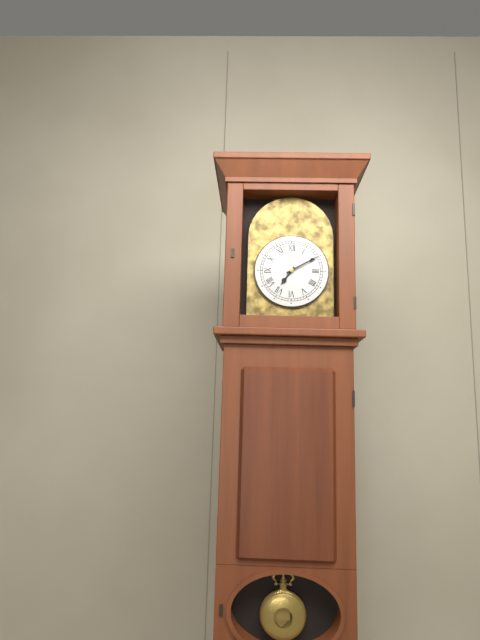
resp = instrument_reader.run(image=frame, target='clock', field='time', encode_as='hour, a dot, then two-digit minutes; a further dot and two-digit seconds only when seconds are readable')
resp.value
7.10
